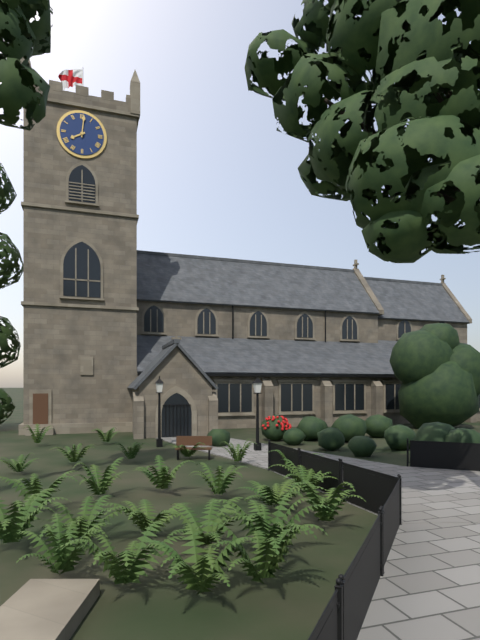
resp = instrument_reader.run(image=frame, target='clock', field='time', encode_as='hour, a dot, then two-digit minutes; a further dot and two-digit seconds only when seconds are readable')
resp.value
8.01
